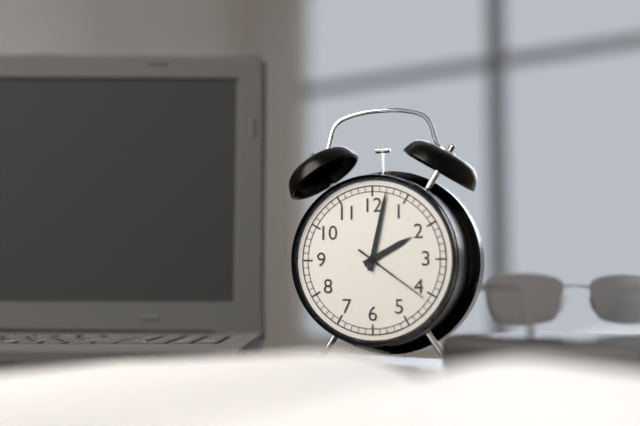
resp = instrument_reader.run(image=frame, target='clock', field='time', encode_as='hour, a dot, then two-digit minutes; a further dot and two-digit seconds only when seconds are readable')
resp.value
2.02.21
